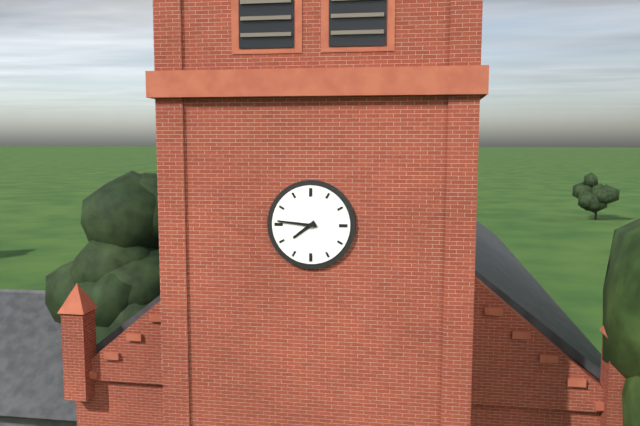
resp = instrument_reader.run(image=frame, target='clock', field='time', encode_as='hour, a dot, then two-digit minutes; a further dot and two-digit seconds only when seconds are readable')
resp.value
7.46
